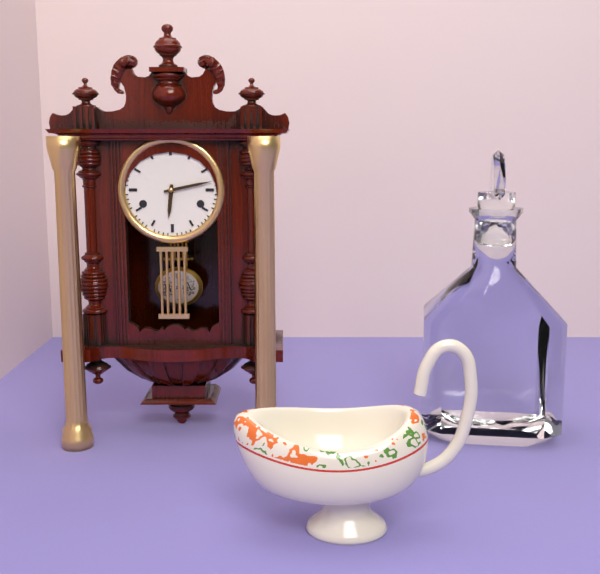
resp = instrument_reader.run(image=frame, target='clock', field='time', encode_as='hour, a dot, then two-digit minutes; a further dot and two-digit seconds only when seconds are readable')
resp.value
6.13
